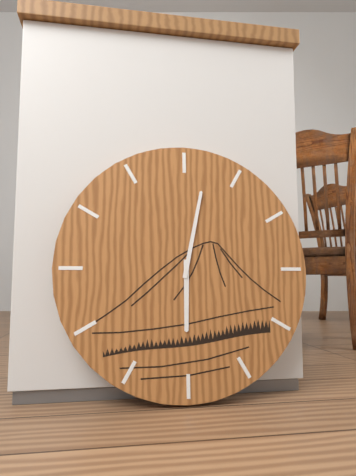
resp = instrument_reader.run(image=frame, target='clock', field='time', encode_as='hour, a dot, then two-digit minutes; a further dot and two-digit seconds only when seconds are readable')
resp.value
6.02
